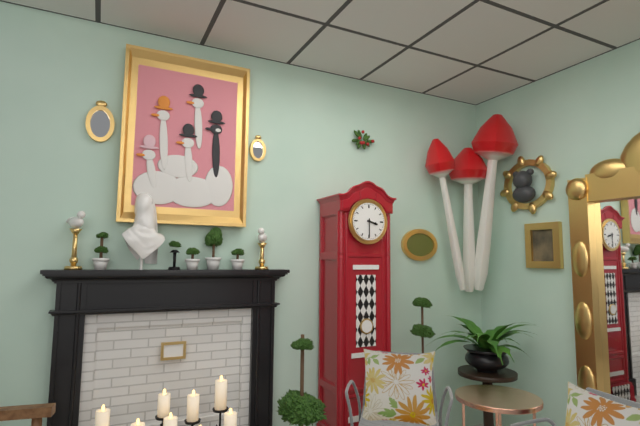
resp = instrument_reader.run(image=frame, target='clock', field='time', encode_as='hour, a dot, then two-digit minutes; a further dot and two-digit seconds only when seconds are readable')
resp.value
3.30
